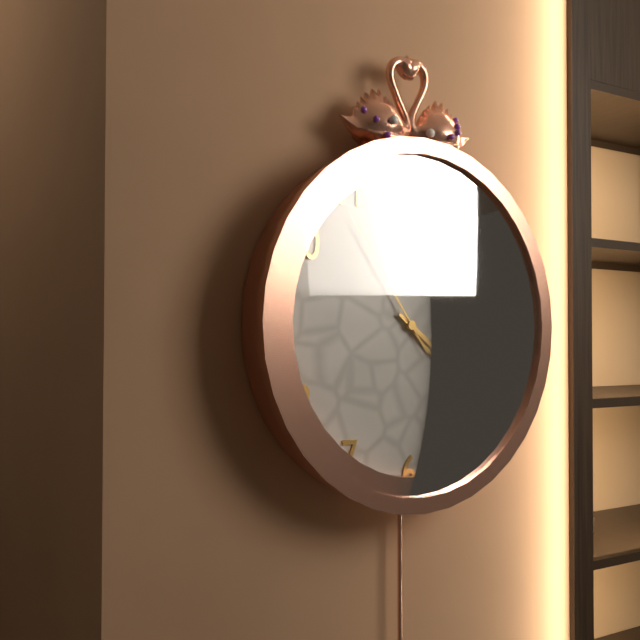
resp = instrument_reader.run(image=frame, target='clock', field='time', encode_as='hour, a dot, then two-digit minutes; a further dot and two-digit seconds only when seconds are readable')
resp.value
4.21.54
